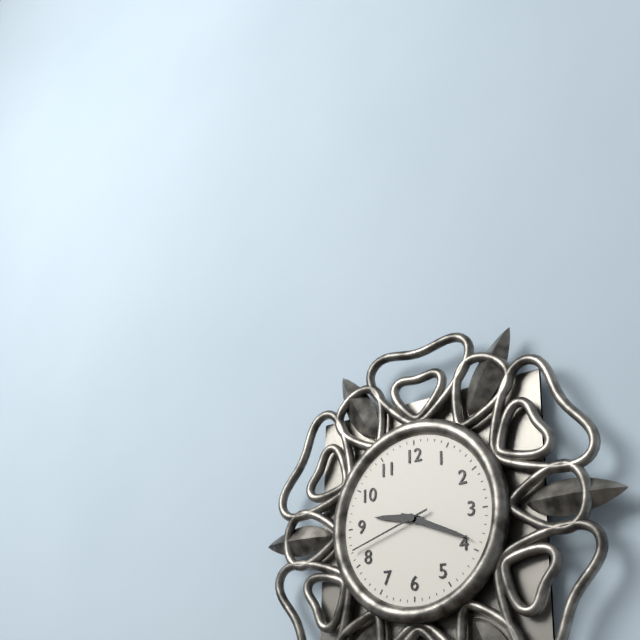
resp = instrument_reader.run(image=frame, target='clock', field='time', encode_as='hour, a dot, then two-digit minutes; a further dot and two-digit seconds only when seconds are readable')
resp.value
9.19.42
